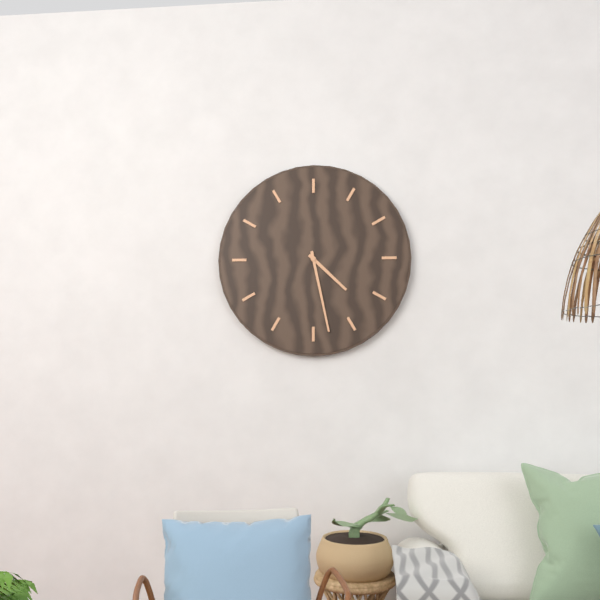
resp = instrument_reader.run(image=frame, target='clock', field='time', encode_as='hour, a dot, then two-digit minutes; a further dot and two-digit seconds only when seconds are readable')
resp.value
4.28
